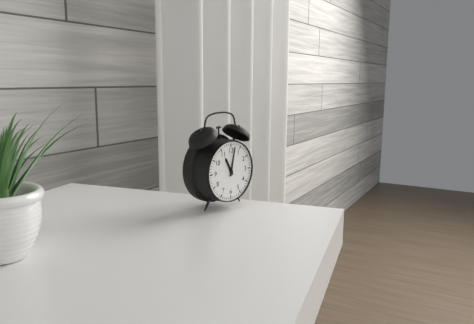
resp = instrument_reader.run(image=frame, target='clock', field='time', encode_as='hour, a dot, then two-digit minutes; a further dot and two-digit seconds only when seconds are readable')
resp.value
11.02
